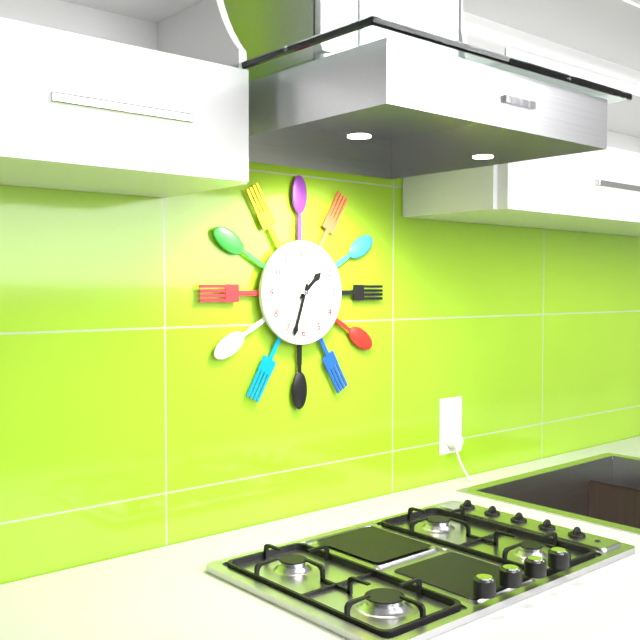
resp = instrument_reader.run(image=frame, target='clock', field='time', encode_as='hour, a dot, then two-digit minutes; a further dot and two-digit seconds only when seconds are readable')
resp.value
1.33
